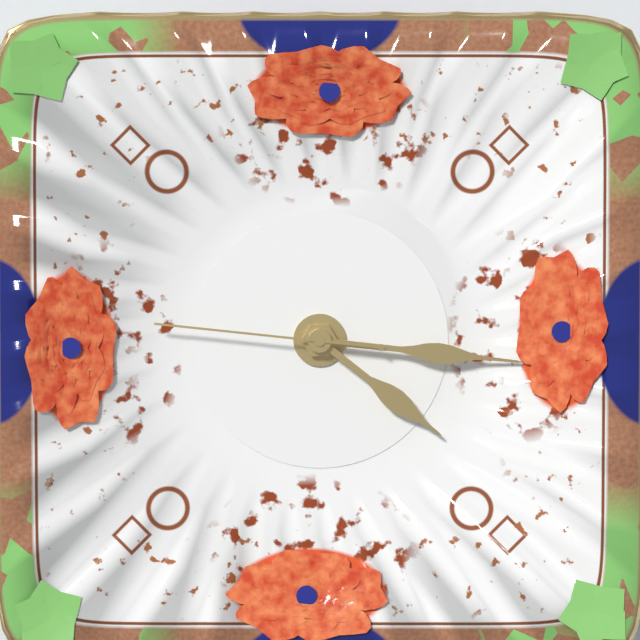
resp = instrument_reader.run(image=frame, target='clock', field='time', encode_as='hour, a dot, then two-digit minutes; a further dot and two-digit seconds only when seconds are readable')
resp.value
4.16.46
